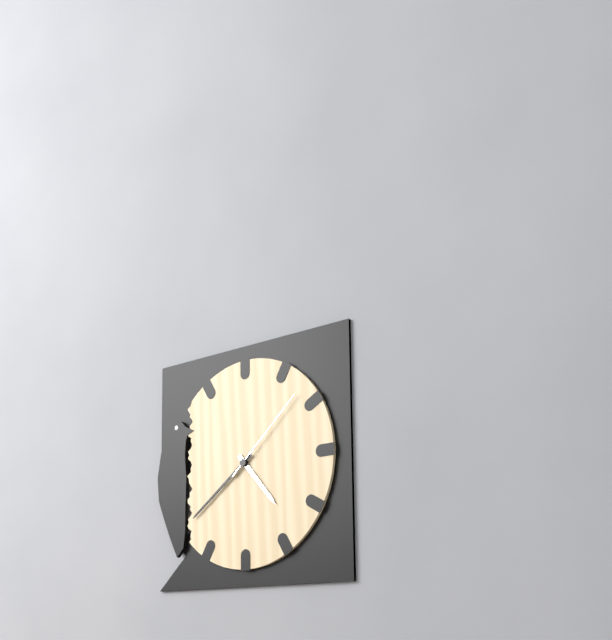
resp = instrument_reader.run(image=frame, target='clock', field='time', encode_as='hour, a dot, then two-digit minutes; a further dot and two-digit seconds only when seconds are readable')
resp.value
4.39.08
